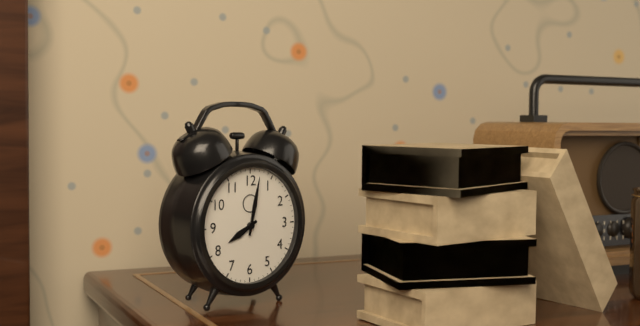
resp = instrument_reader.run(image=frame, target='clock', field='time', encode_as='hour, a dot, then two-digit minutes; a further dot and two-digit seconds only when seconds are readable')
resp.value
8.02
